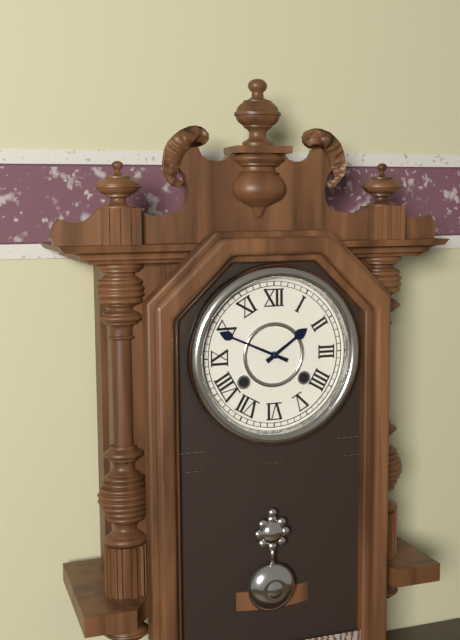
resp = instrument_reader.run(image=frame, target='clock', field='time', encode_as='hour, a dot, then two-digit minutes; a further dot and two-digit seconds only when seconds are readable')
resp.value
1.49
